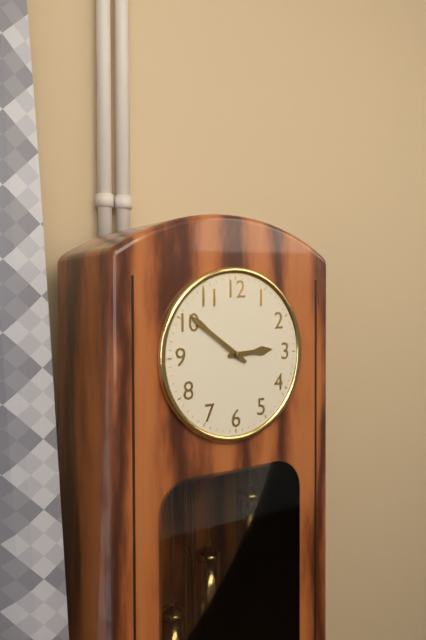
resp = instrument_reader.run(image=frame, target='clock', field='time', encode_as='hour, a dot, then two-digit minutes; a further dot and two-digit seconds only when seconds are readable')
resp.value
2.51
